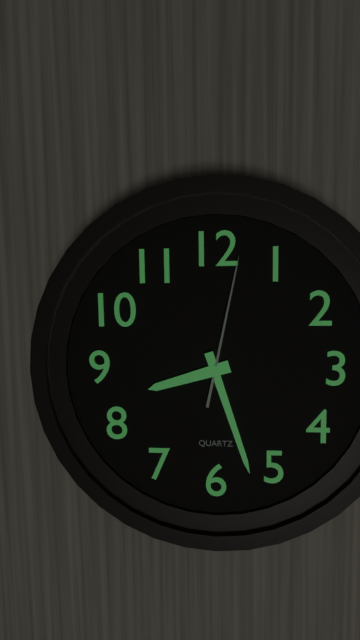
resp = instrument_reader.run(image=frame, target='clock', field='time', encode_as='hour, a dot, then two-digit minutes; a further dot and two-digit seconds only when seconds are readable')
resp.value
8.27.02
